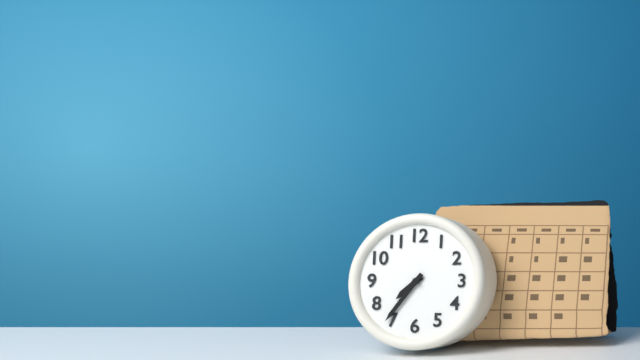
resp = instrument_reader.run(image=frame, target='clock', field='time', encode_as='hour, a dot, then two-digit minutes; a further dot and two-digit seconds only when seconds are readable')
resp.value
7.36
